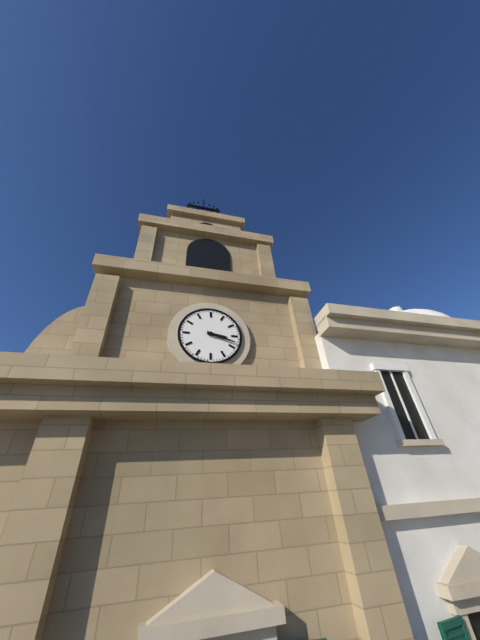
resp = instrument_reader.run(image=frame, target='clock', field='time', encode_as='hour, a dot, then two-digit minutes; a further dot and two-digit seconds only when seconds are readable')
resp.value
3.18
